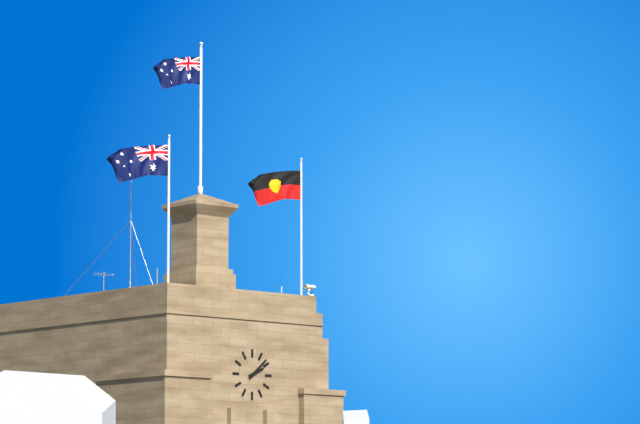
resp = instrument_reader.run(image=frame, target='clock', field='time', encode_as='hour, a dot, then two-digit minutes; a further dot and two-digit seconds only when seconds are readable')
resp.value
2.08
